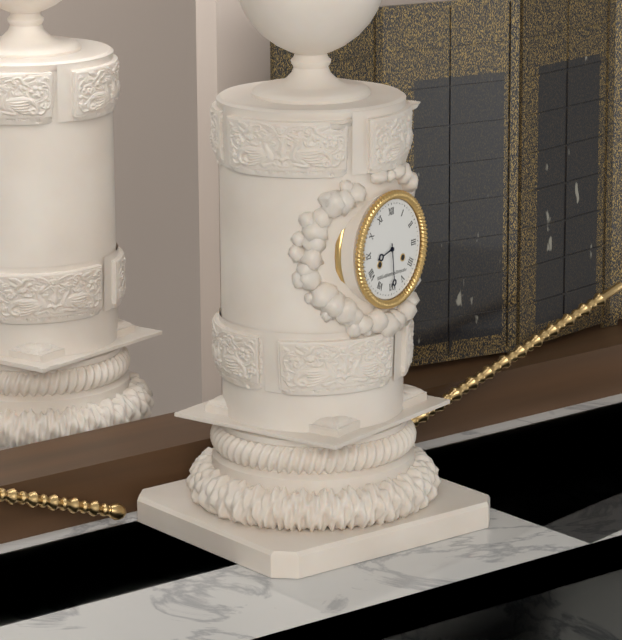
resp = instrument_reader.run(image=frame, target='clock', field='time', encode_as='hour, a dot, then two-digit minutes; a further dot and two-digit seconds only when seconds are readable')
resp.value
8.29
